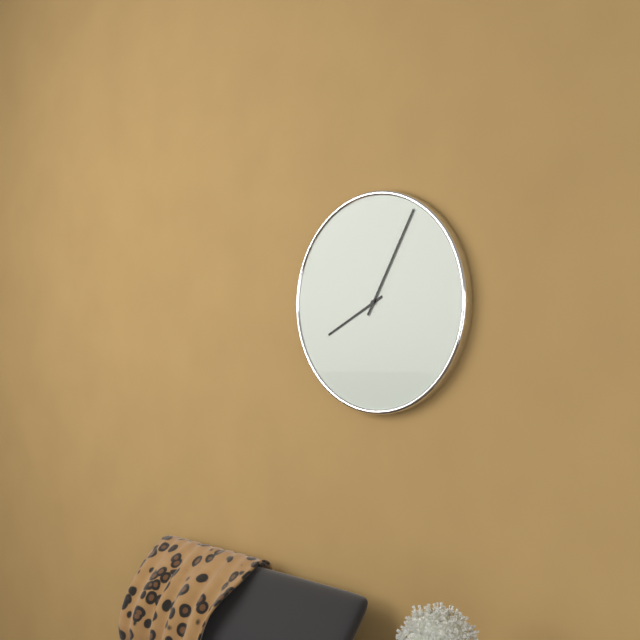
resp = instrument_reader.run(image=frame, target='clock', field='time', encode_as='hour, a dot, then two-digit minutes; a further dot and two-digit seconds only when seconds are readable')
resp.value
8.05
